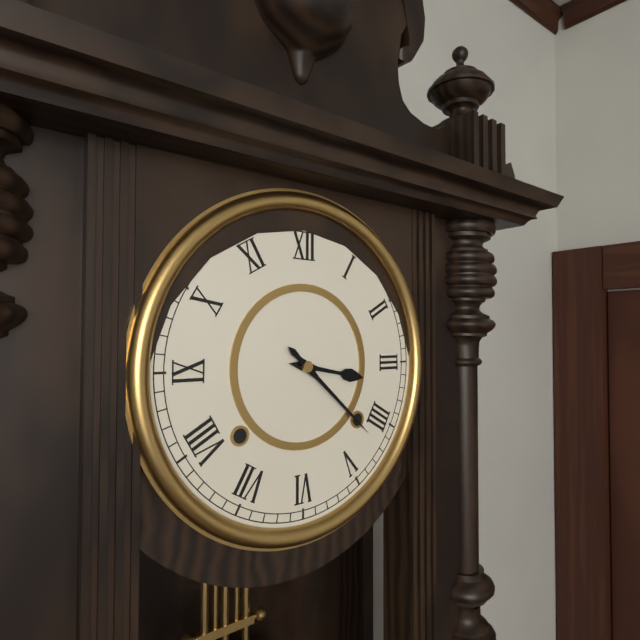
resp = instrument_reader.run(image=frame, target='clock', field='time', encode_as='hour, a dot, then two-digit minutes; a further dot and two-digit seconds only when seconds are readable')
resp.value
3.22
